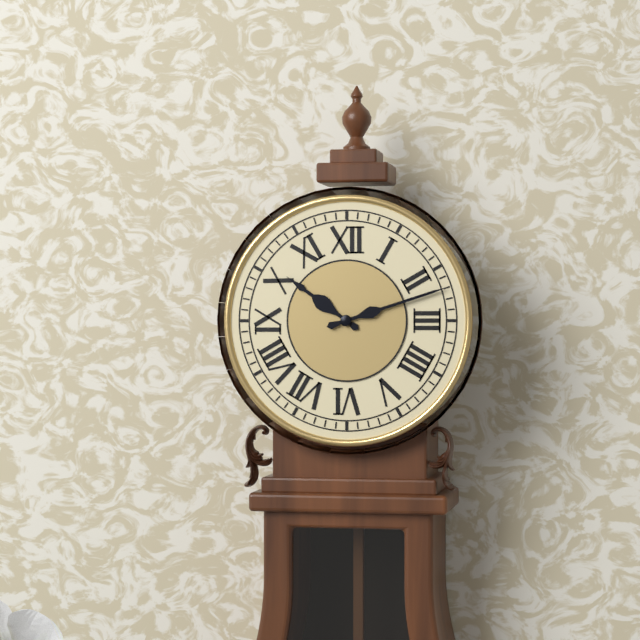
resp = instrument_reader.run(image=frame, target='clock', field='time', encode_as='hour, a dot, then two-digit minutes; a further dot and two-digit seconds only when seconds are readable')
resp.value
10.12
